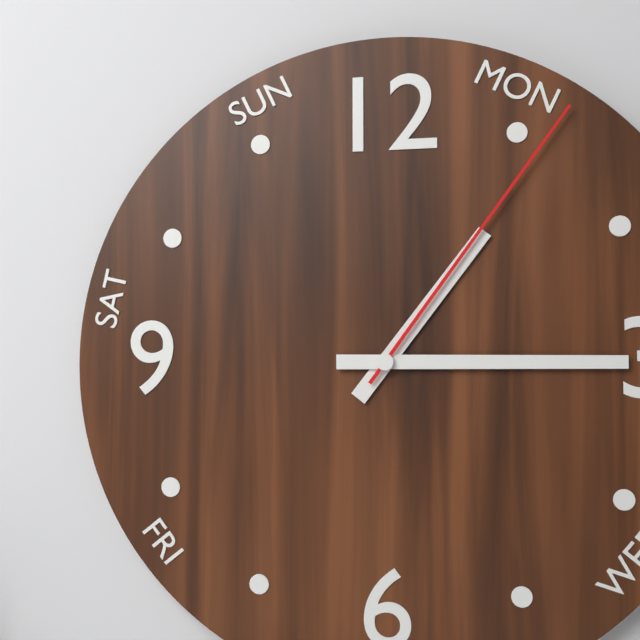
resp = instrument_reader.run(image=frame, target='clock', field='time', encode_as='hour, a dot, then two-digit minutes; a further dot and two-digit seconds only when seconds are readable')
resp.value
1.15.06
